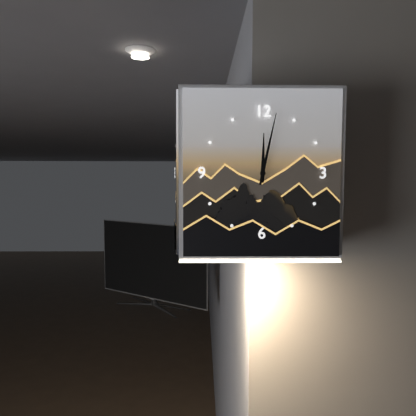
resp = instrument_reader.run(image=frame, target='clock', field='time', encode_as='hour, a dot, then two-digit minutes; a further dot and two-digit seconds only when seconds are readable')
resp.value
12.02
